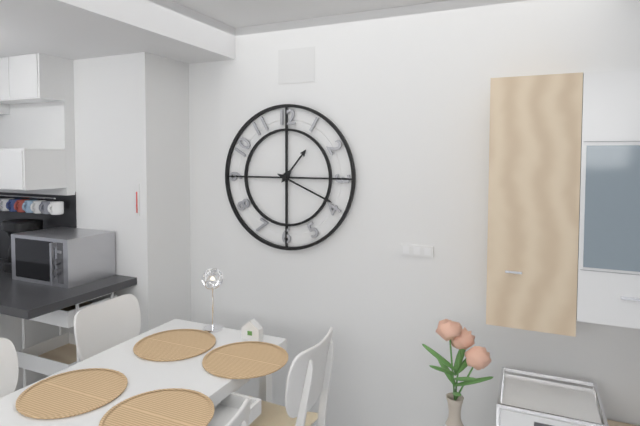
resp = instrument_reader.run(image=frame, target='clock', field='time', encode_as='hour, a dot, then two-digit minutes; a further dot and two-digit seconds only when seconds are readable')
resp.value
1.19
